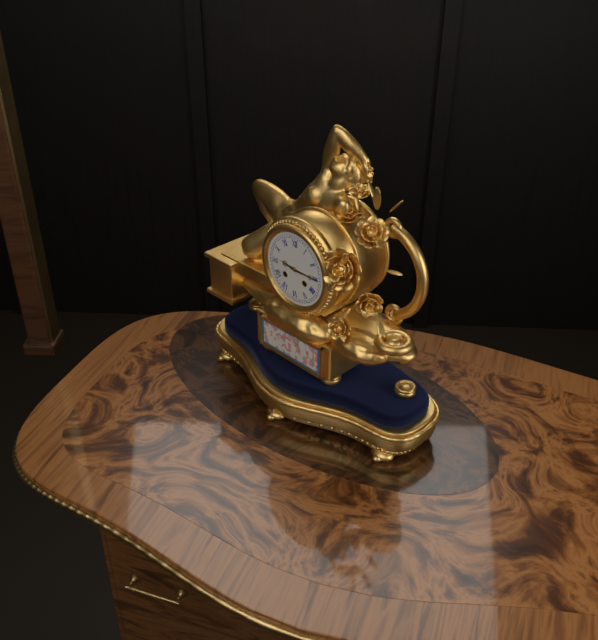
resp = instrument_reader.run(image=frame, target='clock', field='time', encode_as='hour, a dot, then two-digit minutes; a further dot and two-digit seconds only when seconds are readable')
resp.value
9.15
